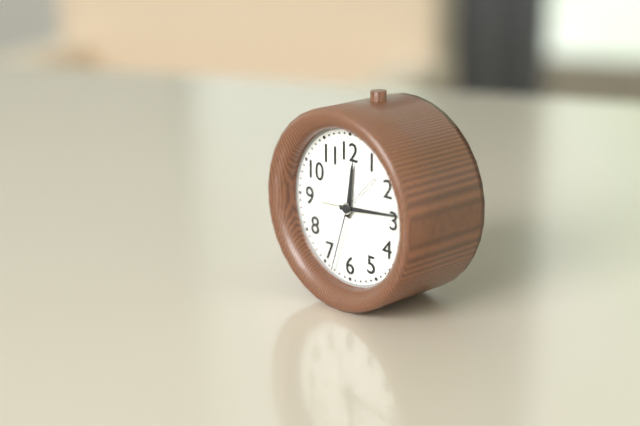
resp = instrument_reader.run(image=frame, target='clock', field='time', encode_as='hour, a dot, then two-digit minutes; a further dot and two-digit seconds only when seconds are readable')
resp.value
12.14.33
